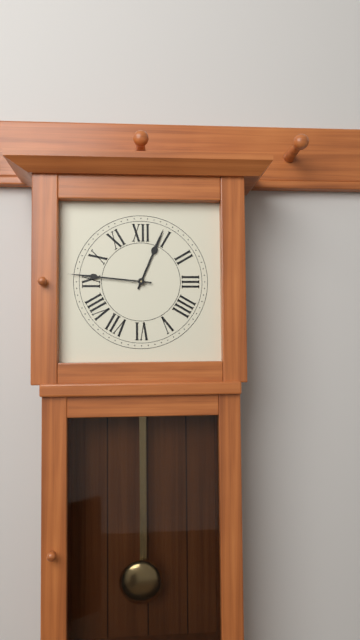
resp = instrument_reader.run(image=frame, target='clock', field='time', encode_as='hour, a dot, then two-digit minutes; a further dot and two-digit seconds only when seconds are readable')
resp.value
12.46
